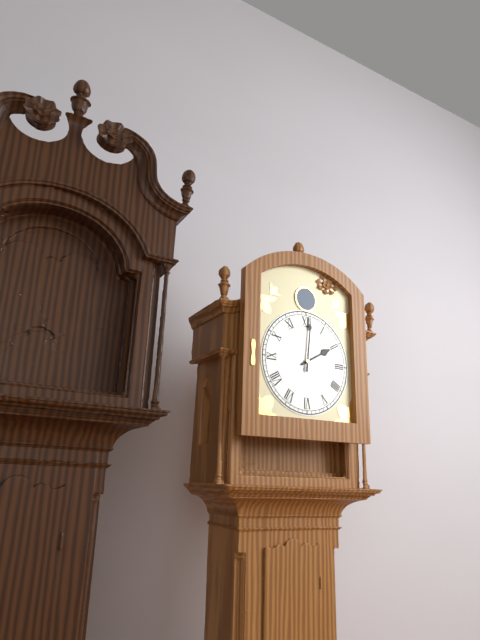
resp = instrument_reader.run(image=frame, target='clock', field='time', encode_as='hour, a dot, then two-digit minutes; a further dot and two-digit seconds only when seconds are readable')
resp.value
2.01
